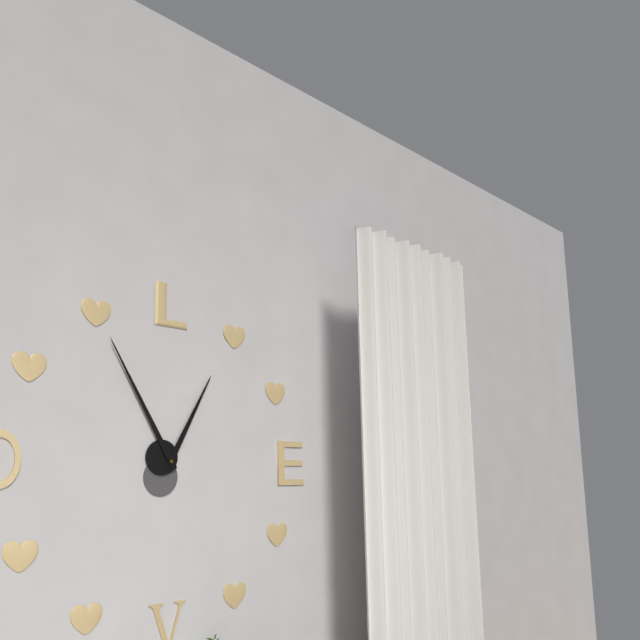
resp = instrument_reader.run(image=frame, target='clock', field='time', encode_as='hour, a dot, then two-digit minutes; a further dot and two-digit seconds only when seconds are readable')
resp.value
12.55
